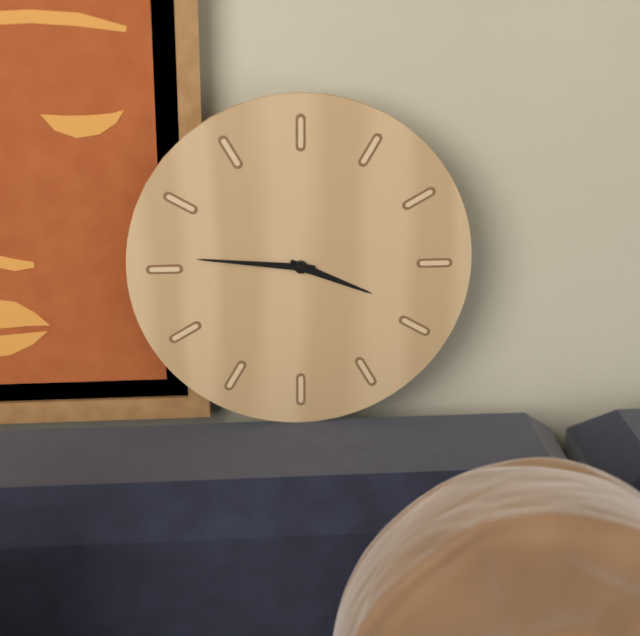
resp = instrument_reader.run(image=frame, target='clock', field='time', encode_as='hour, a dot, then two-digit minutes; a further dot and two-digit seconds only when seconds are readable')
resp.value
3.46
